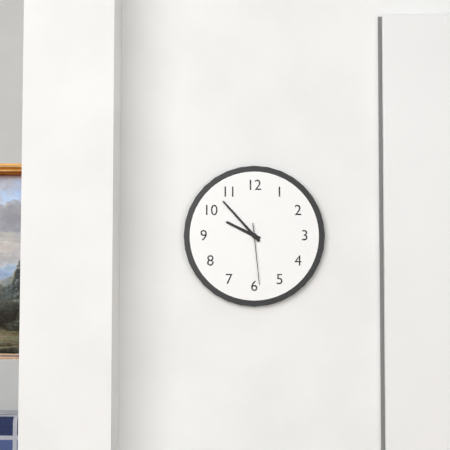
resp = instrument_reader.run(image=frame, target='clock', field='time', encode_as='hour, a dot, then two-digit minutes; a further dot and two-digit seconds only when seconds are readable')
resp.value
9.53.29
